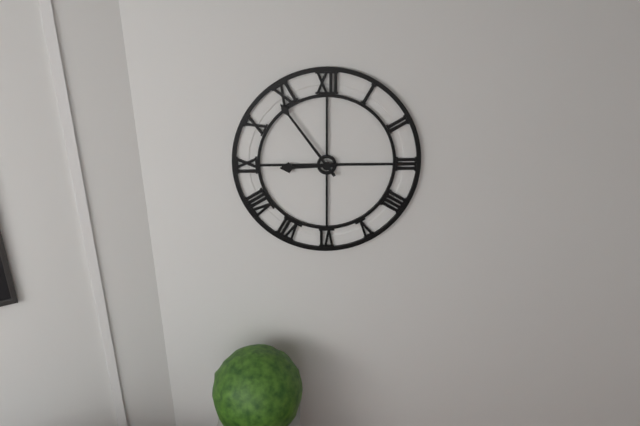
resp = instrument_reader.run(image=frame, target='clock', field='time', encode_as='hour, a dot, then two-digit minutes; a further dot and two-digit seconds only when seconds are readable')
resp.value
8.54
